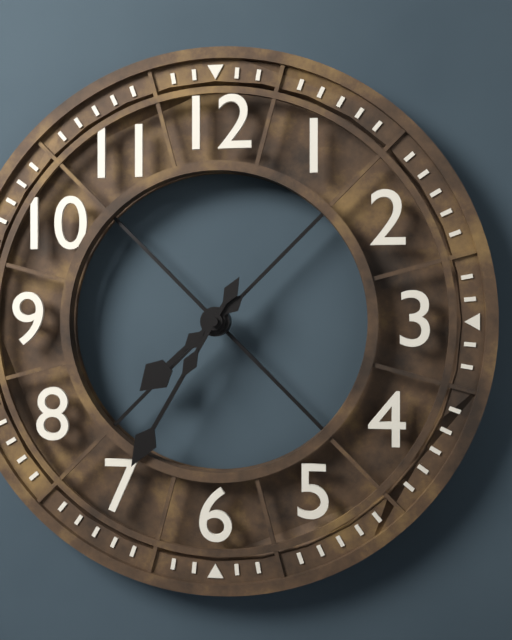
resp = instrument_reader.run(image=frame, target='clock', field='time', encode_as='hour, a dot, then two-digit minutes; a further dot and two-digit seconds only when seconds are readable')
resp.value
7.35
